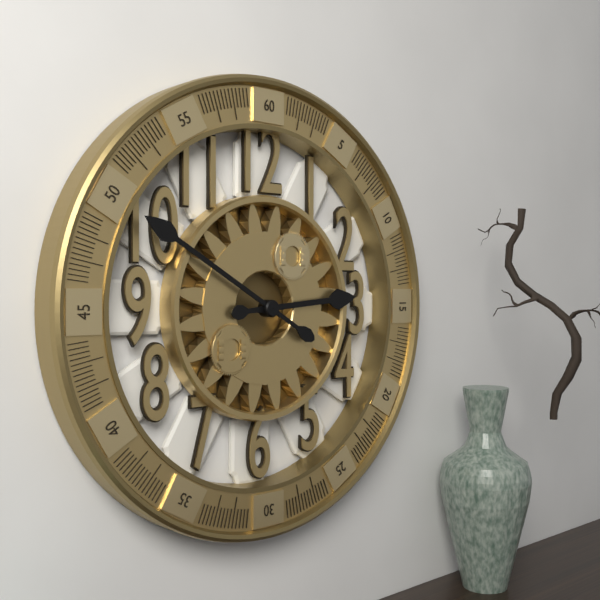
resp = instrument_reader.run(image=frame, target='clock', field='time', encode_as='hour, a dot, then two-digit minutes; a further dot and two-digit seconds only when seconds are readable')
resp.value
2.50
